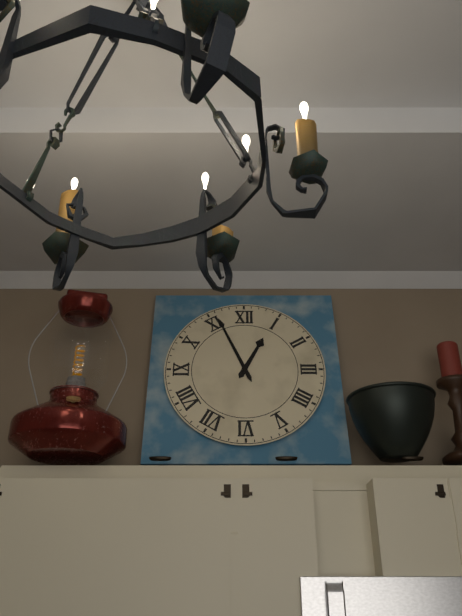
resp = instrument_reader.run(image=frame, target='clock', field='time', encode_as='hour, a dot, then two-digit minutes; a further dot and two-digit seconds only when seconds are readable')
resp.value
12.56
